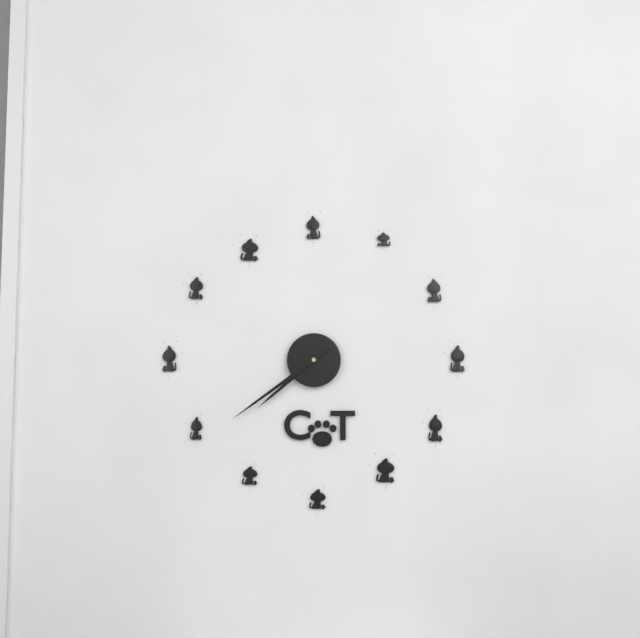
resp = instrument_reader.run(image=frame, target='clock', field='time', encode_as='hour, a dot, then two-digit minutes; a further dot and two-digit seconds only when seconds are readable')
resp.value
7.39
